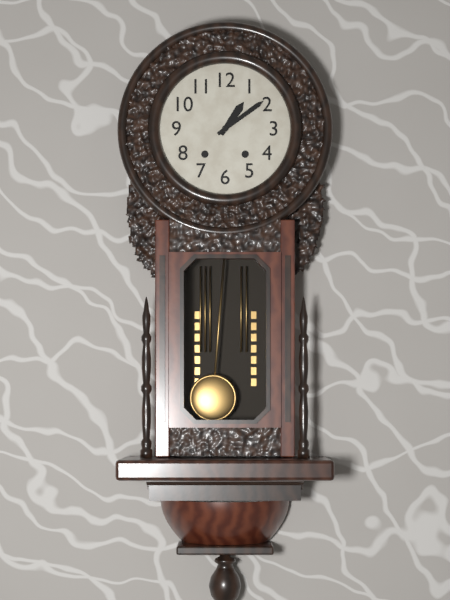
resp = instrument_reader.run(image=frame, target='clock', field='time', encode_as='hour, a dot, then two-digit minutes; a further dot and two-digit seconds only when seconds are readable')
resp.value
1.09
